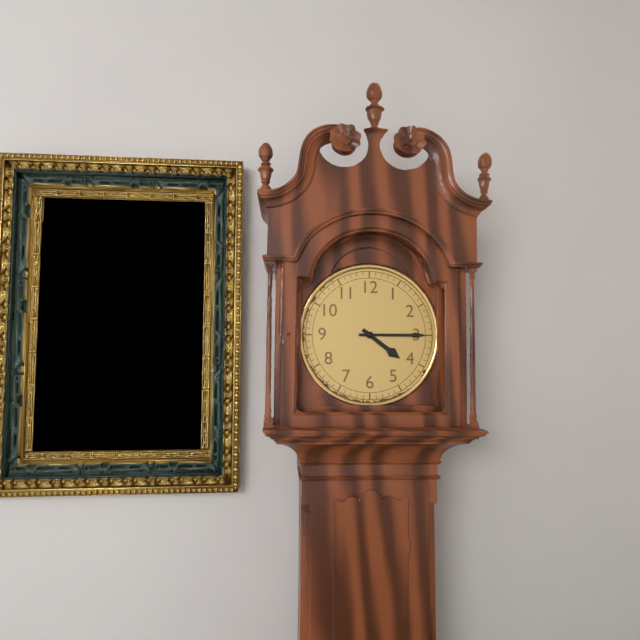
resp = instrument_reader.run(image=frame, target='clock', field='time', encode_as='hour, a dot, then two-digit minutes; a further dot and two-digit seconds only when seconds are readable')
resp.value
4.15
